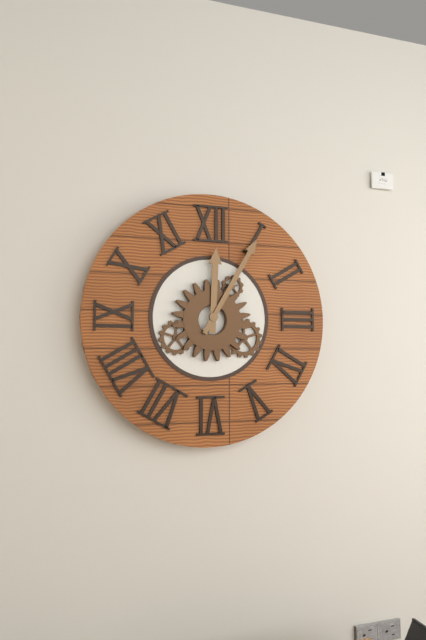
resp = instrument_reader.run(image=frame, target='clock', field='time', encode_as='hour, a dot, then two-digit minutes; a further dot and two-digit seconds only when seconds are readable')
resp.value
12.05
